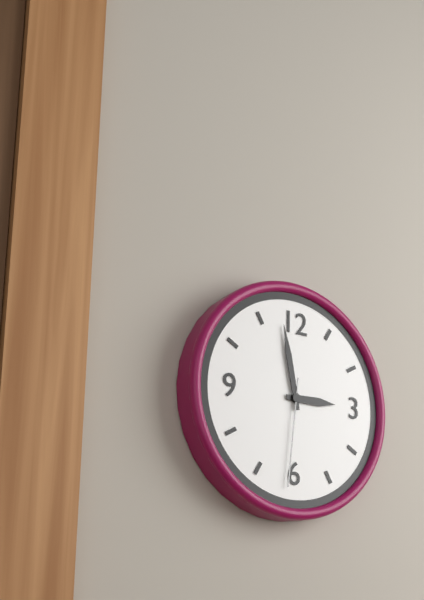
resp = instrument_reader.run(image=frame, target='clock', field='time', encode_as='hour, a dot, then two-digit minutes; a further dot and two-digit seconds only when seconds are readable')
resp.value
2.58.31
